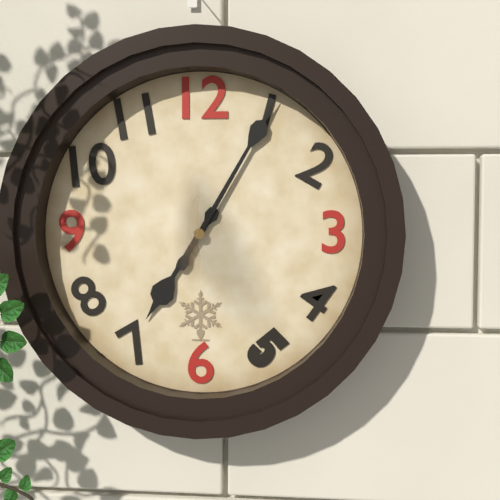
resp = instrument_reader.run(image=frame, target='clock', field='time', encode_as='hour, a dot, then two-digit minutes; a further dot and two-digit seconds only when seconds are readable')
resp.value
7.05
